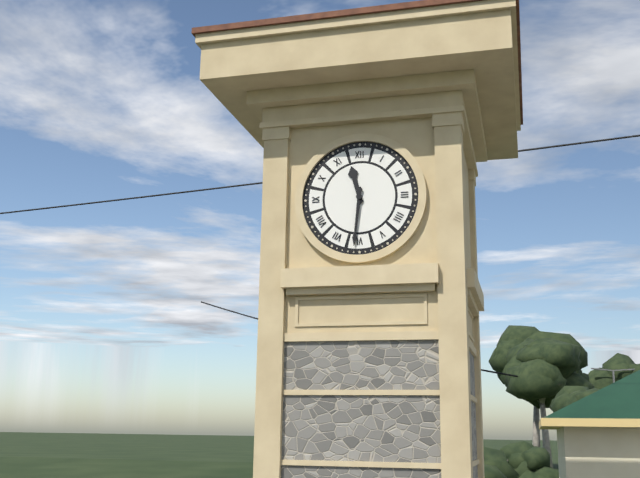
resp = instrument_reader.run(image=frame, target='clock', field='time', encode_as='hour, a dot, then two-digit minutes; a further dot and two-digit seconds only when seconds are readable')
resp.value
11.31
